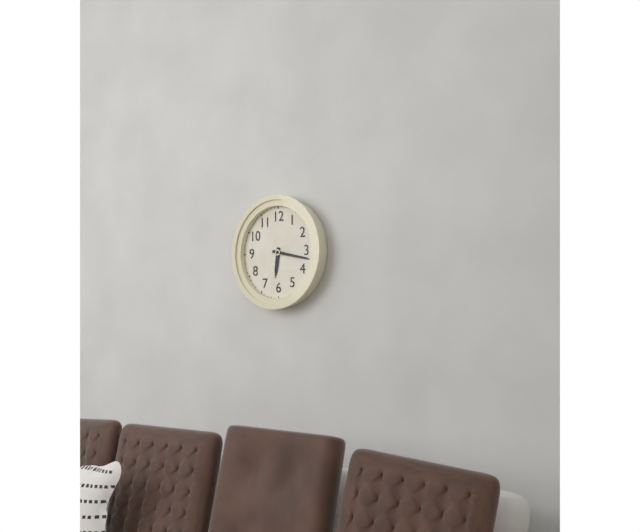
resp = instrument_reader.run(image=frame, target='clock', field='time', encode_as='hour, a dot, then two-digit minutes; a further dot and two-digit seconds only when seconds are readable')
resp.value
6.17
